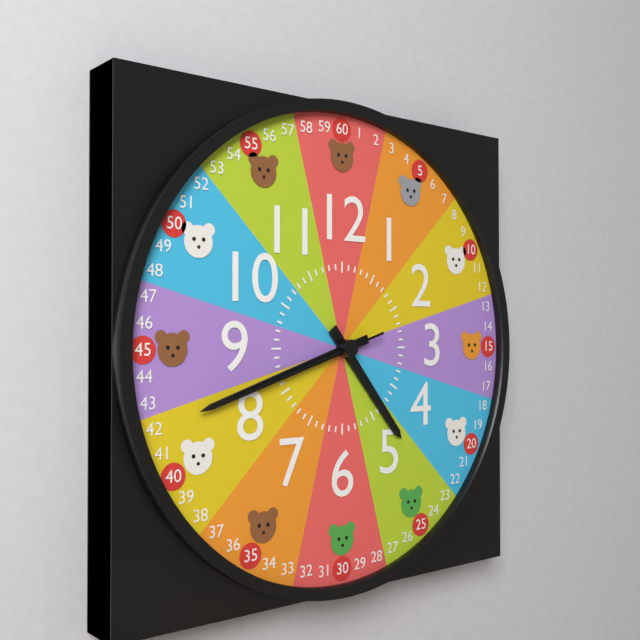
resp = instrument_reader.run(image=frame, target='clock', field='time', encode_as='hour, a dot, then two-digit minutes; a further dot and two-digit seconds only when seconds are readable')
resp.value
4.42.42
